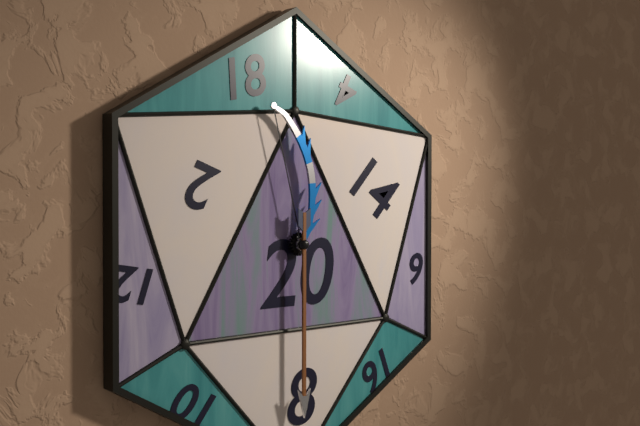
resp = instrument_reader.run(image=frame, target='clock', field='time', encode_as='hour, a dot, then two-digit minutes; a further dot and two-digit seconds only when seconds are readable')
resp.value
11.30
